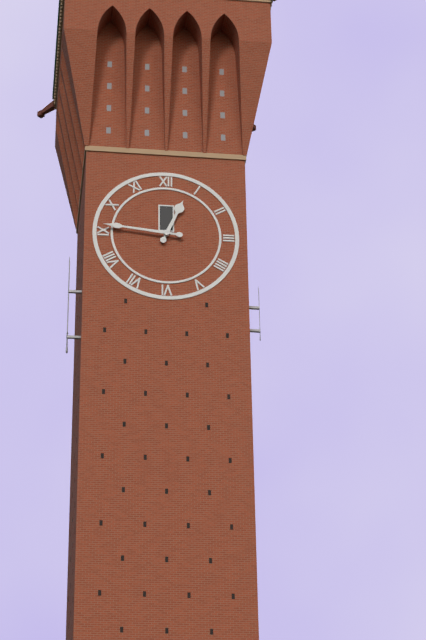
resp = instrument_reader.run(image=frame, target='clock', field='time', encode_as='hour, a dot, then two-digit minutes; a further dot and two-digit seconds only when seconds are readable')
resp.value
12.46
